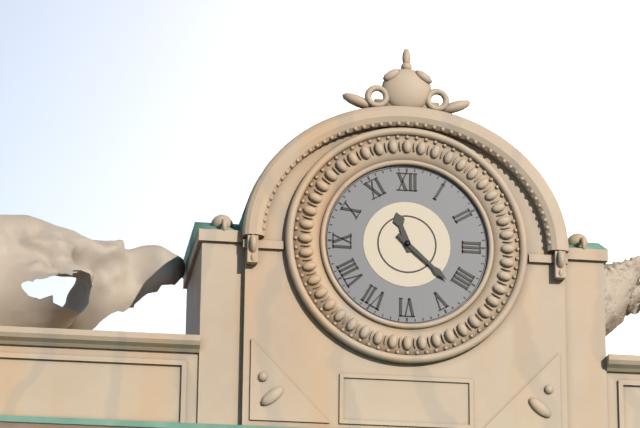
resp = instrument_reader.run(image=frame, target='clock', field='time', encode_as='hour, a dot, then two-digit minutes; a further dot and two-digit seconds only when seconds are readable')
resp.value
11.22
